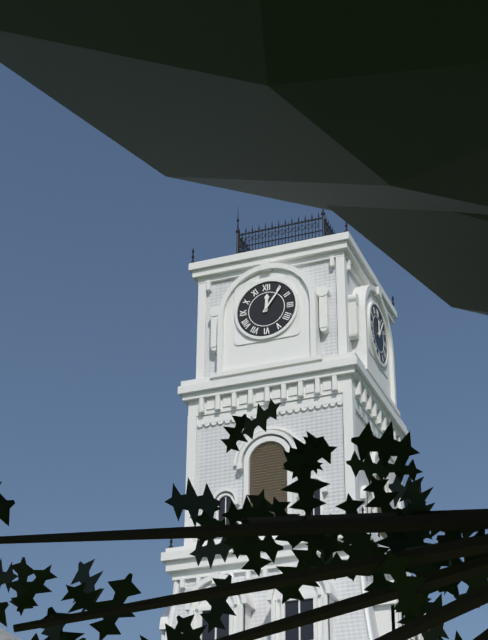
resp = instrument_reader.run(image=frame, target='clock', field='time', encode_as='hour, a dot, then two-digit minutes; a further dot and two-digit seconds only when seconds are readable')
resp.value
12.06
